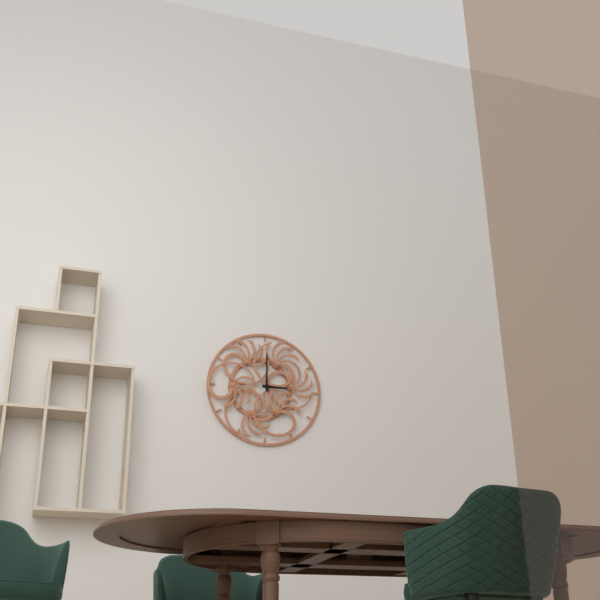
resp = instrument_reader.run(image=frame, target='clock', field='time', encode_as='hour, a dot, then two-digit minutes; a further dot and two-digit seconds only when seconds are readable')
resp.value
3.00
